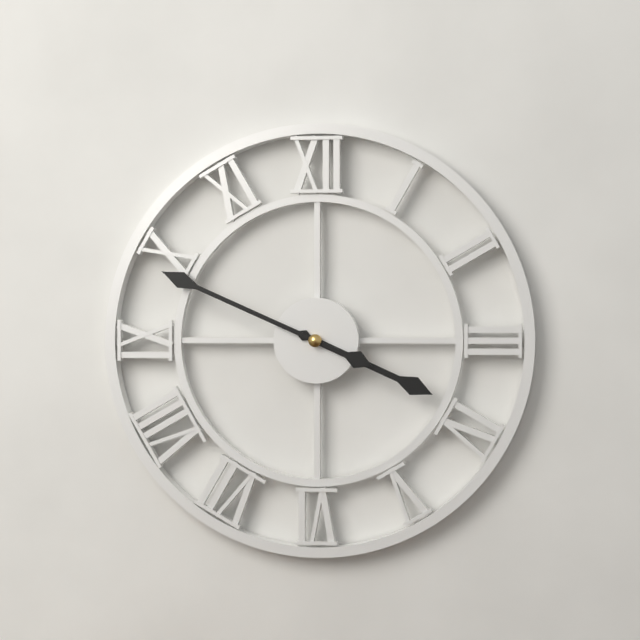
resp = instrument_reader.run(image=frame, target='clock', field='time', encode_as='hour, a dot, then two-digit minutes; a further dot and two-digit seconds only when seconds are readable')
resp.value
3.49
